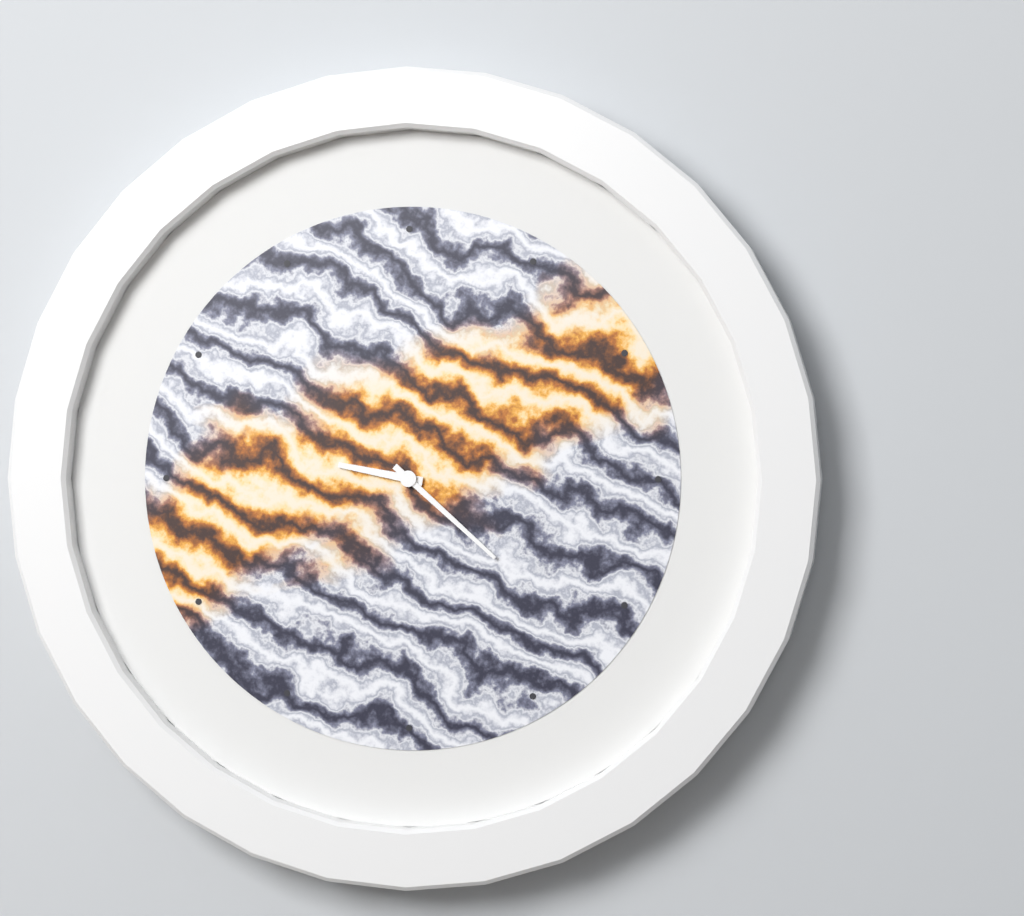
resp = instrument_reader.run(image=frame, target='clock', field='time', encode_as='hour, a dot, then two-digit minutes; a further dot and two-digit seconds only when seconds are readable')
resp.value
9.22
